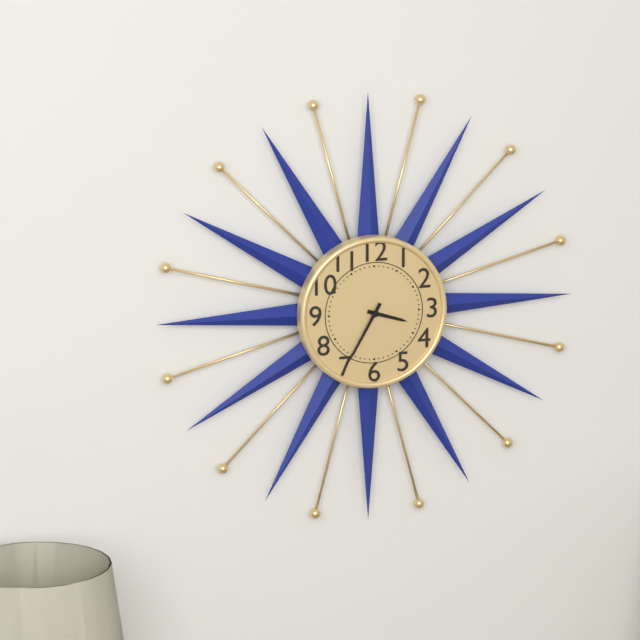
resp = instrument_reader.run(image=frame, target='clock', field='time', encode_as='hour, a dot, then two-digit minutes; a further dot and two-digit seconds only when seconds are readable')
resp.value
3.35
